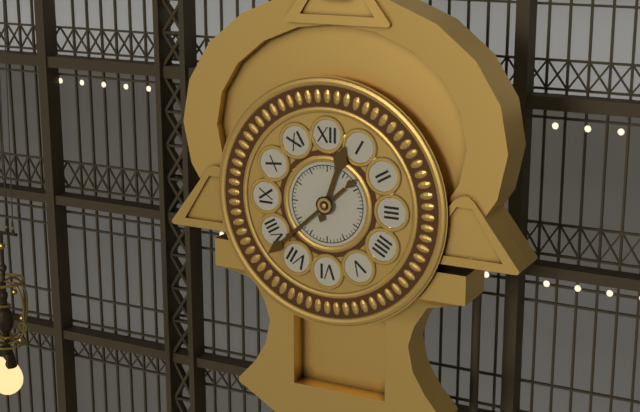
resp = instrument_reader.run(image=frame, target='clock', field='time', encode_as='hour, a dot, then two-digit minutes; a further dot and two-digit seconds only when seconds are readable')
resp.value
12.38
